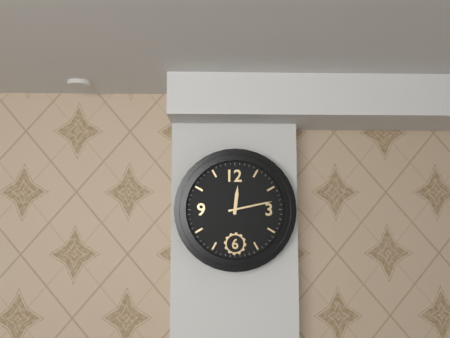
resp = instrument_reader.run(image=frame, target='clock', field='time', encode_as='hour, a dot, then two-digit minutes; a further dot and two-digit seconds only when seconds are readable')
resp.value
12.13
